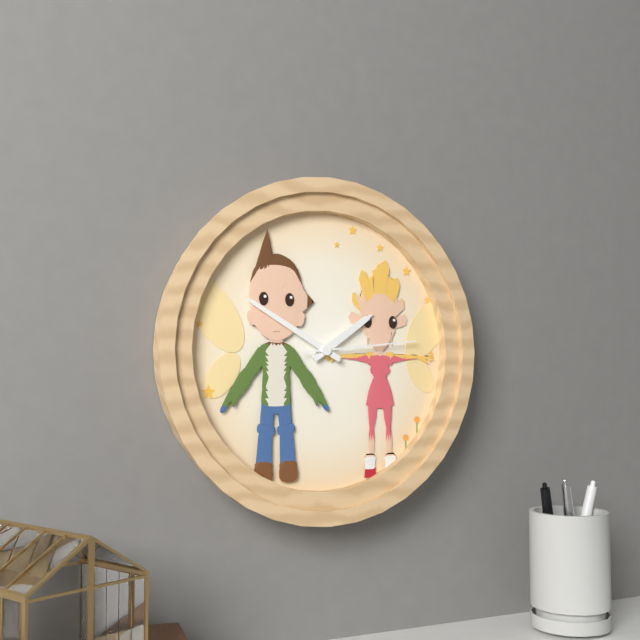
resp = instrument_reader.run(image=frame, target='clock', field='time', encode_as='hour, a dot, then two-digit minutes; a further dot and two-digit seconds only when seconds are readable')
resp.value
1.50.14
